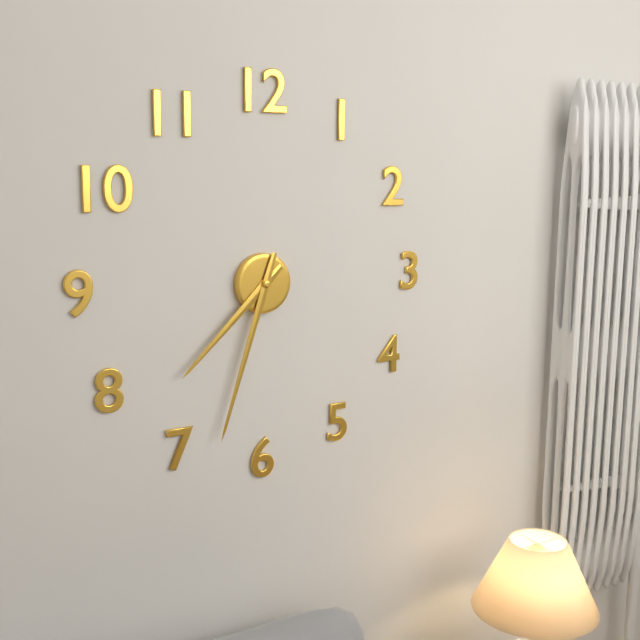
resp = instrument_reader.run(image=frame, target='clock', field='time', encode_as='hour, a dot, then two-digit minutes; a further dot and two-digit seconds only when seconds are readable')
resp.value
7.33
